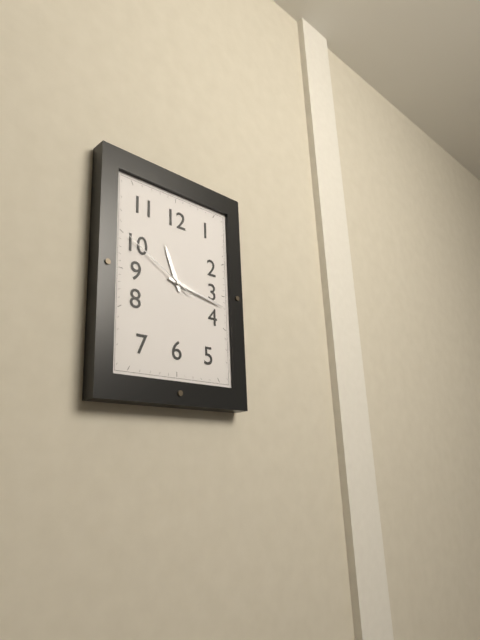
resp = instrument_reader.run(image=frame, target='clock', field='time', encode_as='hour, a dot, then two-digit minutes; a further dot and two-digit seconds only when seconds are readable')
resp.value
11.17.50
